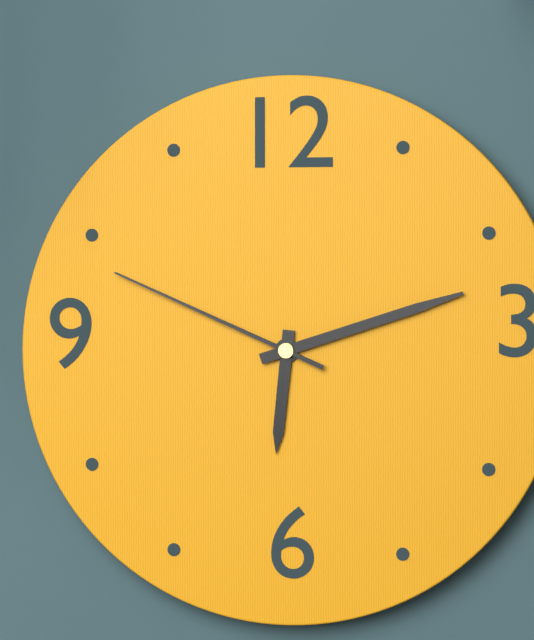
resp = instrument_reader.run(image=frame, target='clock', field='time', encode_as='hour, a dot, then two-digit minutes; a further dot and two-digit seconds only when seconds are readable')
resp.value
6.12.49
